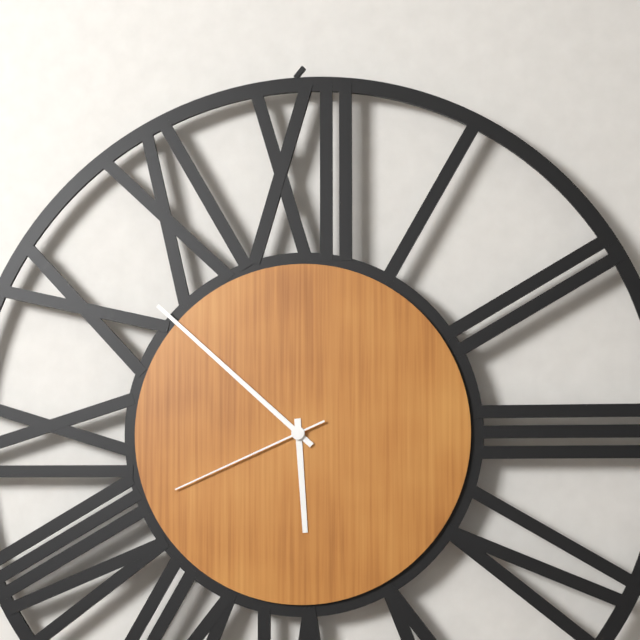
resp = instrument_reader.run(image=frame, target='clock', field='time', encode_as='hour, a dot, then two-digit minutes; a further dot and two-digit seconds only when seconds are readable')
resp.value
5.52.41
